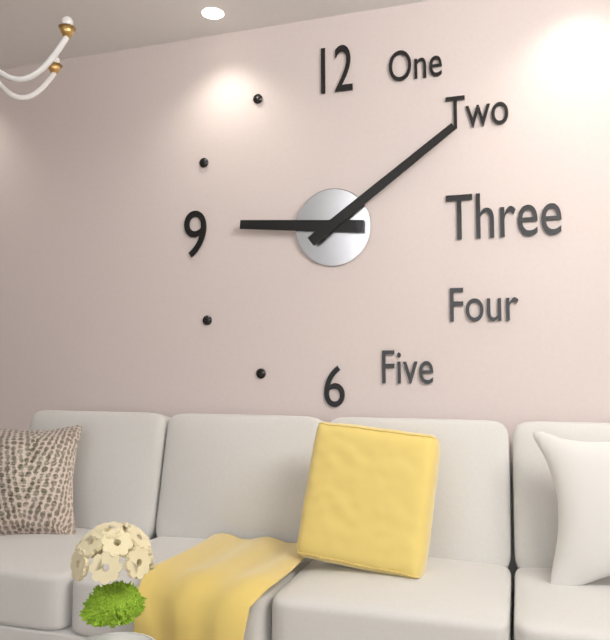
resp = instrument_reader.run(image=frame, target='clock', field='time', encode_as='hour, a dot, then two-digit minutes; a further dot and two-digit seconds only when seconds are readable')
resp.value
9.09
